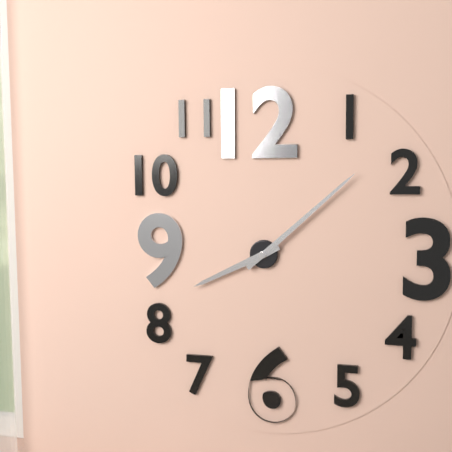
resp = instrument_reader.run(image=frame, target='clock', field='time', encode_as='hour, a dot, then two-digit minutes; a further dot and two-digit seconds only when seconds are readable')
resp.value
8.08
